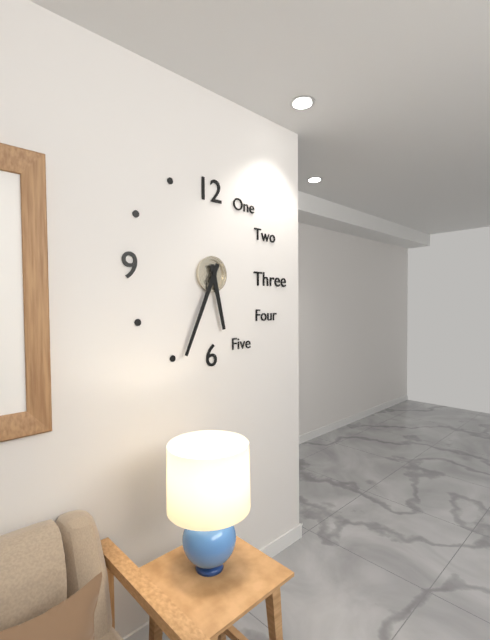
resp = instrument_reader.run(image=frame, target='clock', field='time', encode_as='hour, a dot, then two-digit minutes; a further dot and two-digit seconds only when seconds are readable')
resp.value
5.34
